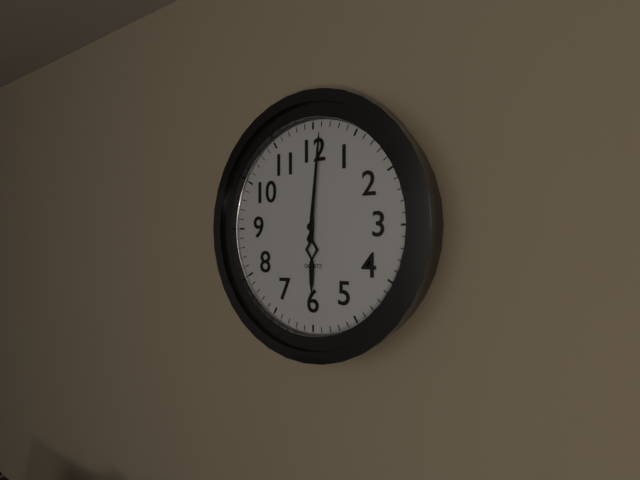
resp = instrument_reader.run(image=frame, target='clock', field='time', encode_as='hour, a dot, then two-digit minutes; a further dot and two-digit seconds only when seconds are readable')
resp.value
6.01
